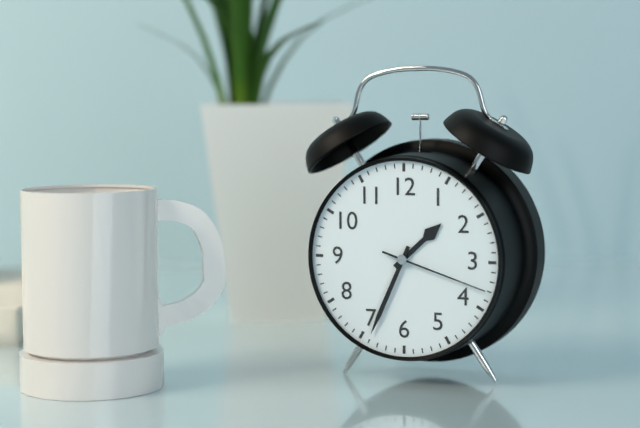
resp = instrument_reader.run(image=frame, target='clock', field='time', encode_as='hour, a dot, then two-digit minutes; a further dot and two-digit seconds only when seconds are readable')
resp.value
1.34.18
